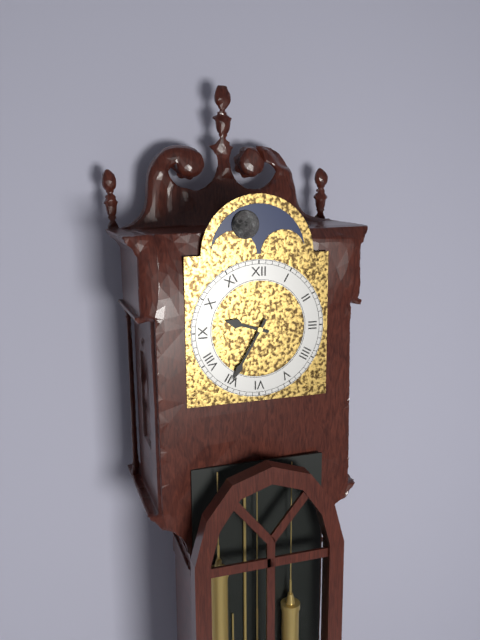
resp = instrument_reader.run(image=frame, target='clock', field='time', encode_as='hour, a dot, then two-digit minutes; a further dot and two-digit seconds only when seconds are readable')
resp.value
9.35
